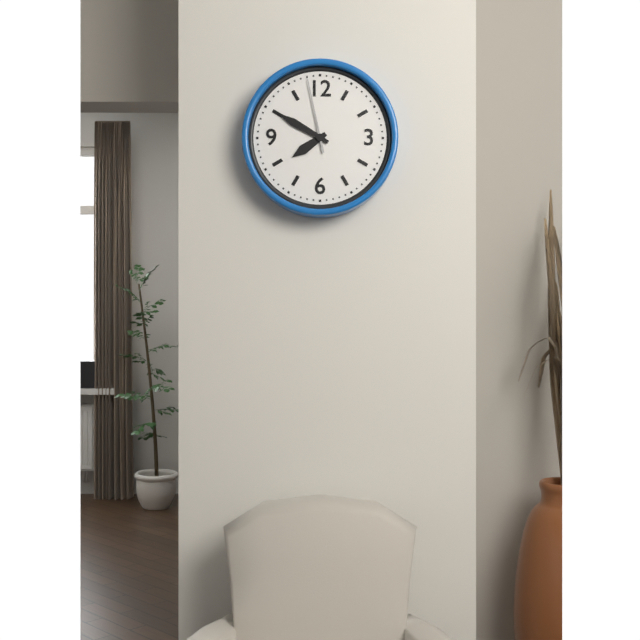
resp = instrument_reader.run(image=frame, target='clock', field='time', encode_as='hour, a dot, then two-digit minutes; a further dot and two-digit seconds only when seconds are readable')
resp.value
7.50.58
